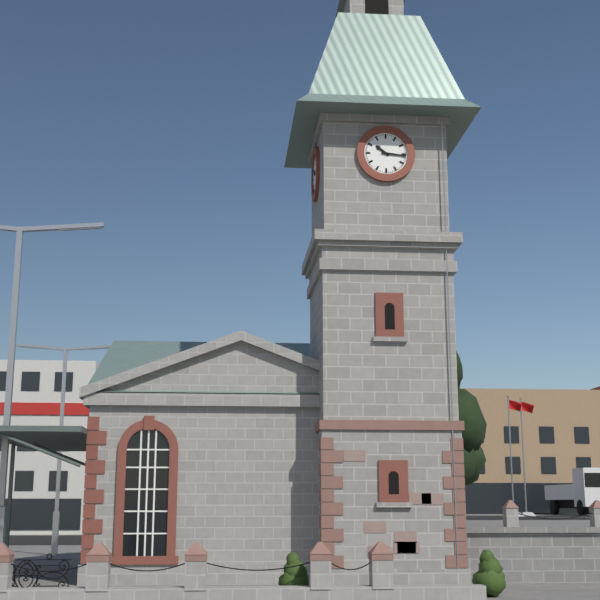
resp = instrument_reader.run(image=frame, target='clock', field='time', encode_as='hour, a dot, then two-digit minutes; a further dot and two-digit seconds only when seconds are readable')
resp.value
10.16
